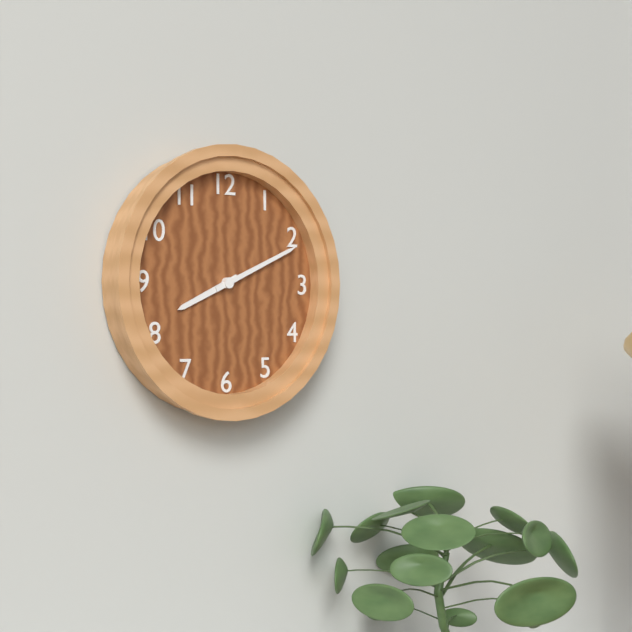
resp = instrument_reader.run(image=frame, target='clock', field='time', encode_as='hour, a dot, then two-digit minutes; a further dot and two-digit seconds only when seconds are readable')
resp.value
8.11
